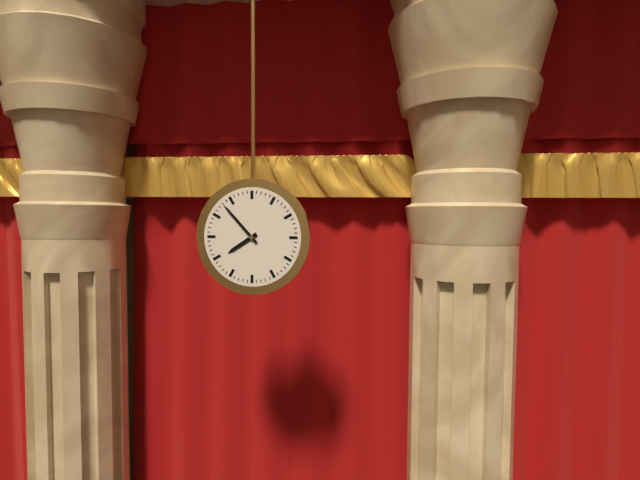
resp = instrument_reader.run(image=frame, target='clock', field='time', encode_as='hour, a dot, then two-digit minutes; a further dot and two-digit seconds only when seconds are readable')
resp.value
7.53
